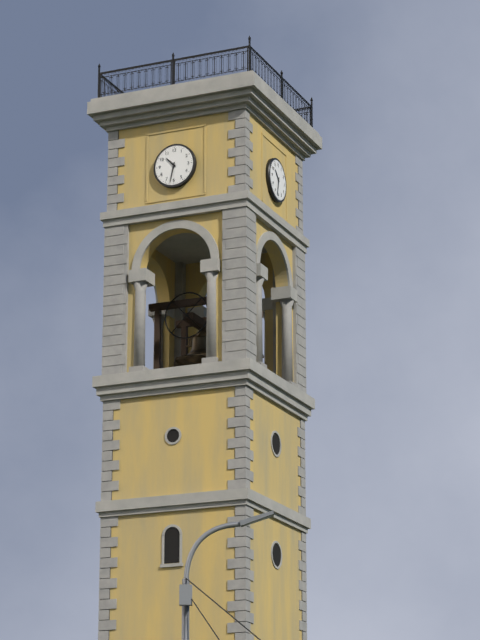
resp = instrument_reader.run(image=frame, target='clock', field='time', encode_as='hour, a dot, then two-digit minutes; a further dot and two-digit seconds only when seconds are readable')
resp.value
10.32
